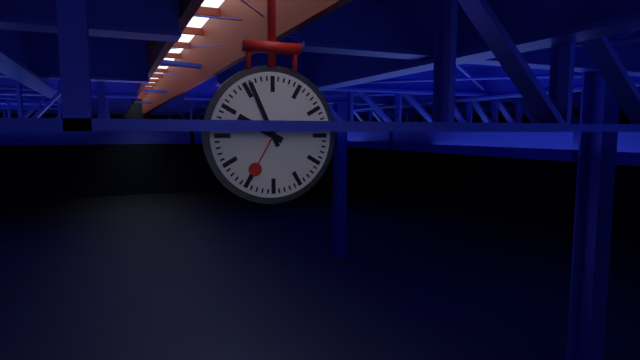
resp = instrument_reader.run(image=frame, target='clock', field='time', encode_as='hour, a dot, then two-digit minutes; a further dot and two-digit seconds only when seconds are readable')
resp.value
9.56.35
